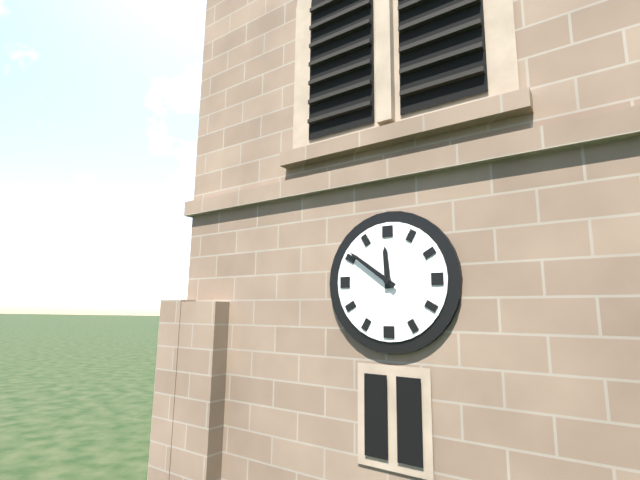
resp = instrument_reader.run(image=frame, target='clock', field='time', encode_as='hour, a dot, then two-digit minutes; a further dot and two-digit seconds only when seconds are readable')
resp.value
11.51
